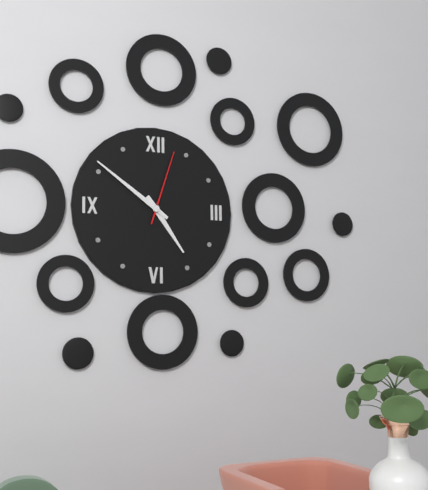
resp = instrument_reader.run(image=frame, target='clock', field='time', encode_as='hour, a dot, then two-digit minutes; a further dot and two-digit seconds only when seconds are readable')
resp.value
4.51.03
